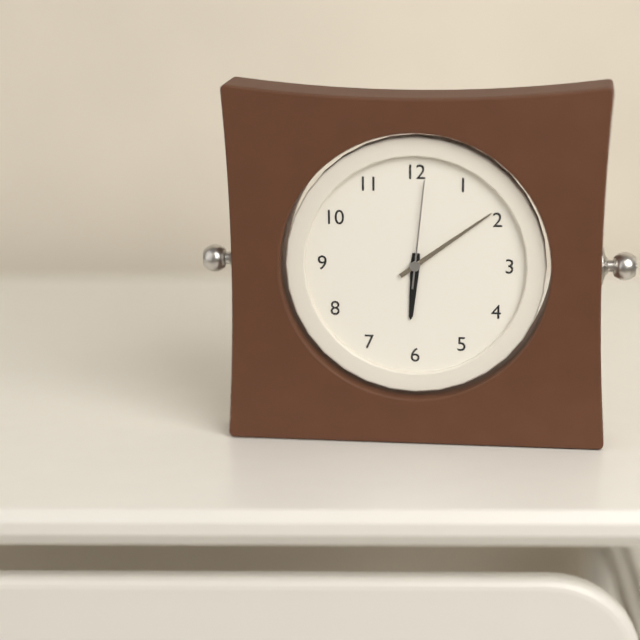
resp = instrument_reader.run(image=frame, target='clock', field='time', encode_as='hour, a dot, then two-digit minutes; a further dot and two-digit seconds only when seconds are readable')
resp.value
6.09.01
